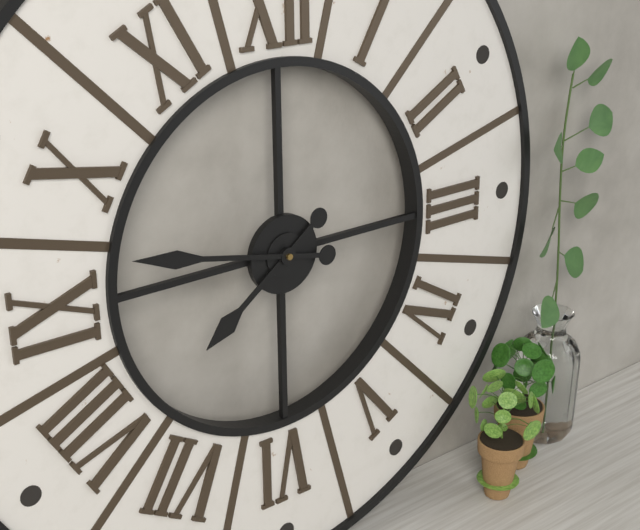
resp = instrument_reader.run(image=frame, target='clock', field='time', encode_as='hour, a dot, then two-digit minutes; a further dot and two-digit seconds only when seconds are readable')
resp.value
7.47
